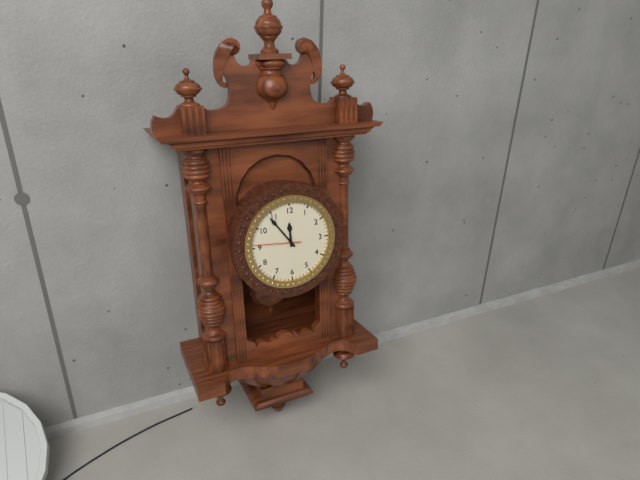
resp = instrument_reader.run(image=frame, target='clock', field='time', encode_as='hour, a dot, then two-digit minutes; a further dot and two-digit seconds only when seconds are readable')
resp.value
11.54
